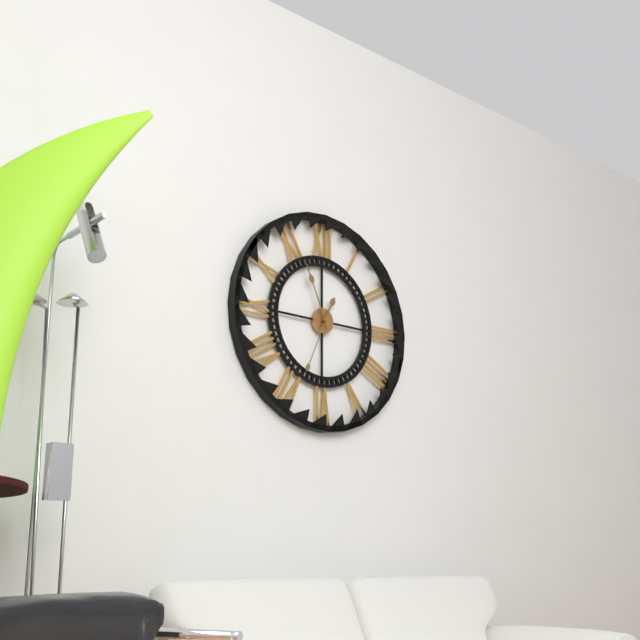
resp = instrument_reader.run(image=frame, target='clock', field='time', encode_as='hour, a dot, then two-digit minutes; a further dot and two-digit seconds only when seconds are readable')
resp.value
12.56.34
